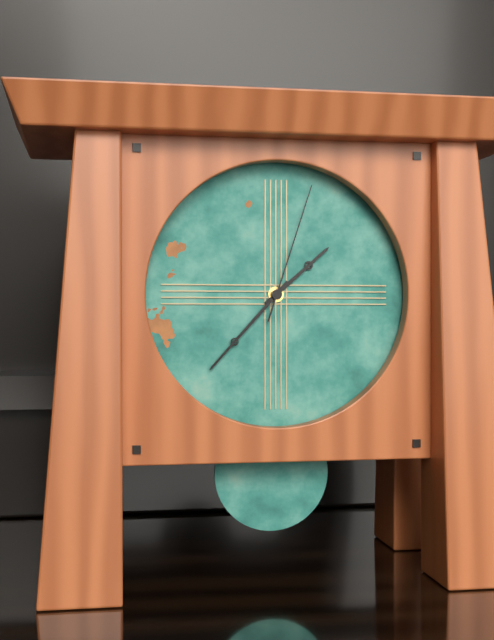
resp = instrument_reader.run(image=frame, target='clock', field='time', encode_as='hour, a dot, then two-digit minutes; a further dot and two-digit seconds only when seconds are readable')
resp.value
1.37.03
